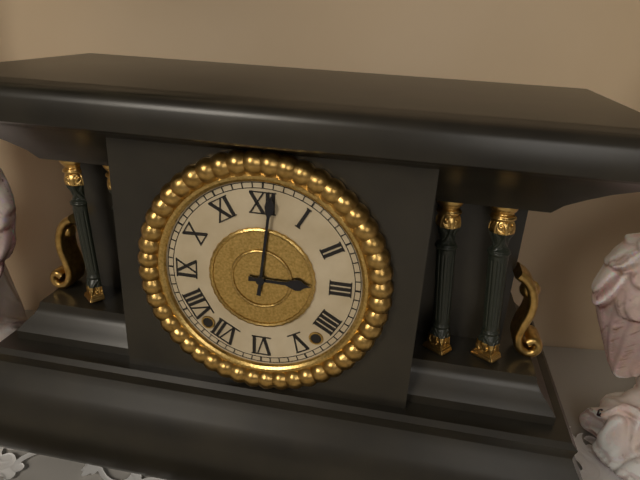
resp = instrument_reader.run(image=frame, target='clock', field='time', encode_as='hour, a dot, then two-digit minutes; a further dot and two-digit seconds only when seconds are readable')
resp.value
3.01
